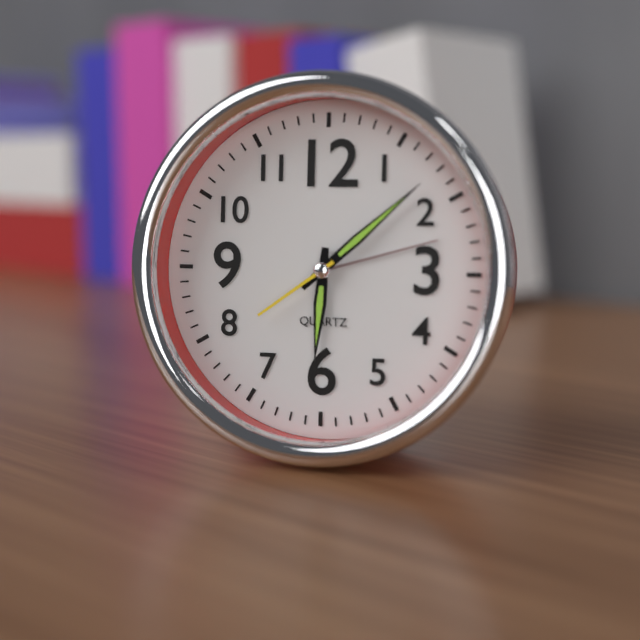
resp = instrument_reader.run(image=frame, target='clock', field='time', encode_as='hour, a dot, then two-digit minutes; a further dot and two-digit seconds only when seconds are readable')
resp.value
6.08.39
